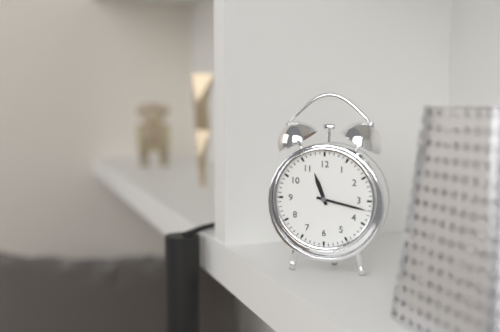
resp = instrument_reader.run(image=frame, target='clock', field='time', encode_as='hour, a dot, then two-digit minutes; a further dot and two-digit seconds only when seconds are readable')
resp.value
11.17
